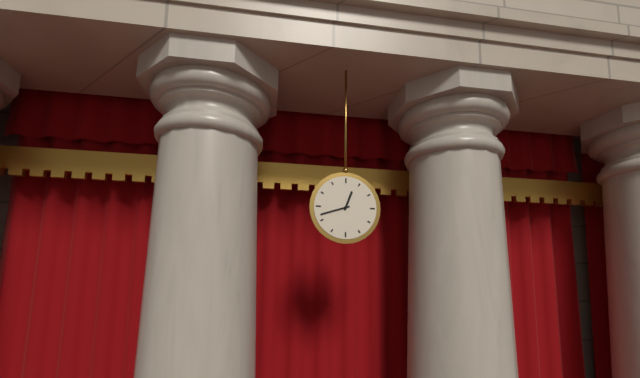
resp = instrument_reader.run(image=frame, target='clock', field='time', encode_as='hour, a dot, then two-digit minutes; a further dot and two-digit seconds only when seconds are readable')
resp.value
12.42
